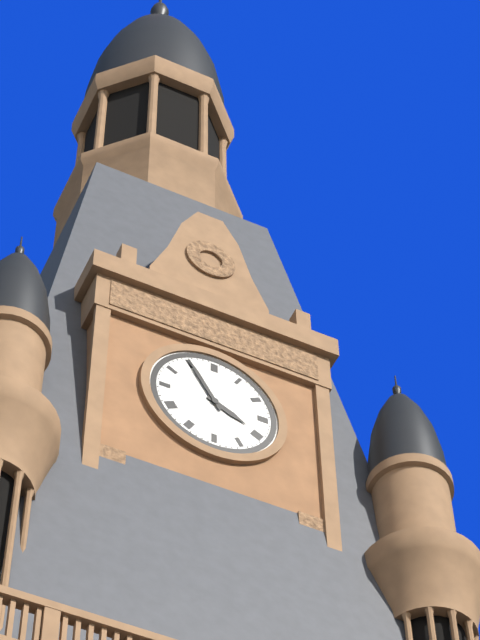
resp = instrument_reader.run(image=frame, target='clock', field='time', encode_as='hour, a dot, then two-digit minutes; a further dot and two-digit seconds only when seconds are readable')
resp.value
3.55
